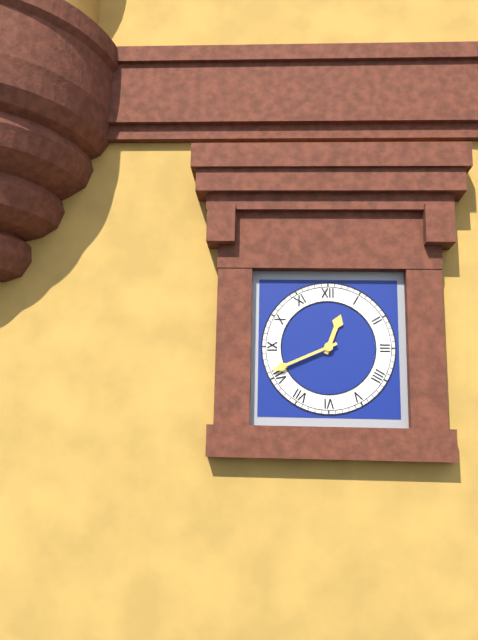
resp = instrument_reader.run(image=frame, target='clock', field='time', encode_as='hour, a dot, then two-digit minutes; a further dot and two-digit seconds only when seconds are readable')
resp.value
12.41
